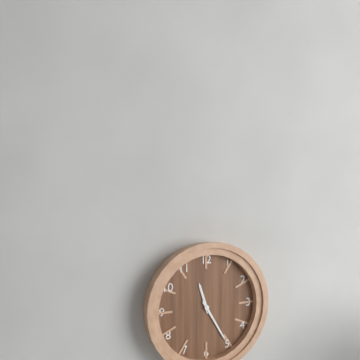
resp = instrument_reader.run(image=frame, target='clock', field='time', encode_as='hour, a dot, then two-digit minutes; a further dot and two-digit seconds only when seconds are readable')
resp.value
11.25
